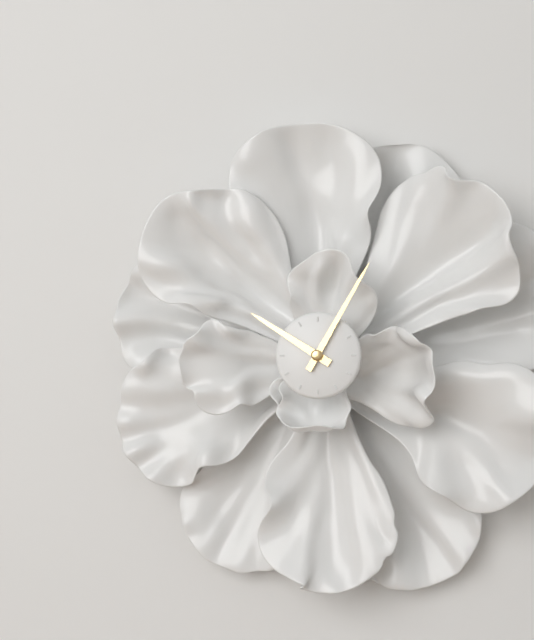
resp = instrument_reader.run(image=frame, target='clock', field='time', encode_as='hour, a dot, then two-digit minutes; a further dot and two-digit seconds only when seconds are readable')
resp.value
10.05
